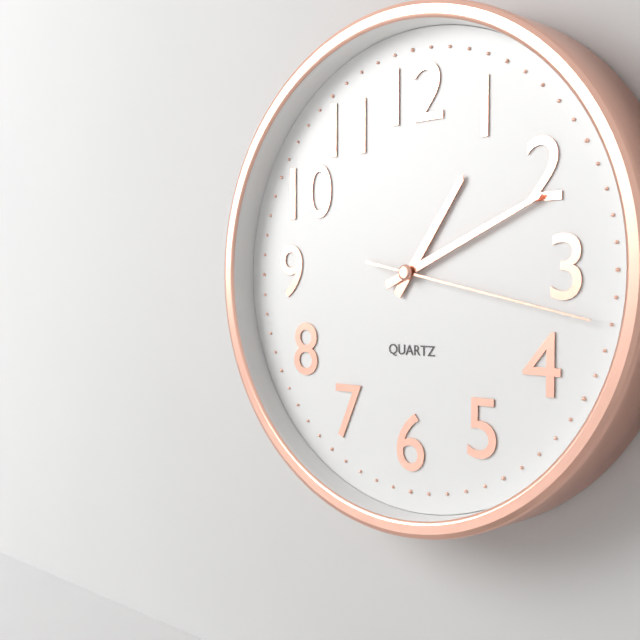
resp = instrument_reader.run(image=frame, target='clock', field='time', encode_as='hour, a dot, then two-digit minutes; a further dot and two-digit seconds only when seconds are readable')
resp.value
1.11.17
